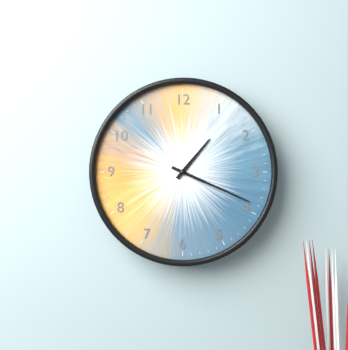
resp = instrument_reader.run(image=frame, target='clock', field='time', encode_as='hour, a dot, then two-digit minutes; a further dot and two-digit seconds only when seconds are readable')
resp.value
1.19
